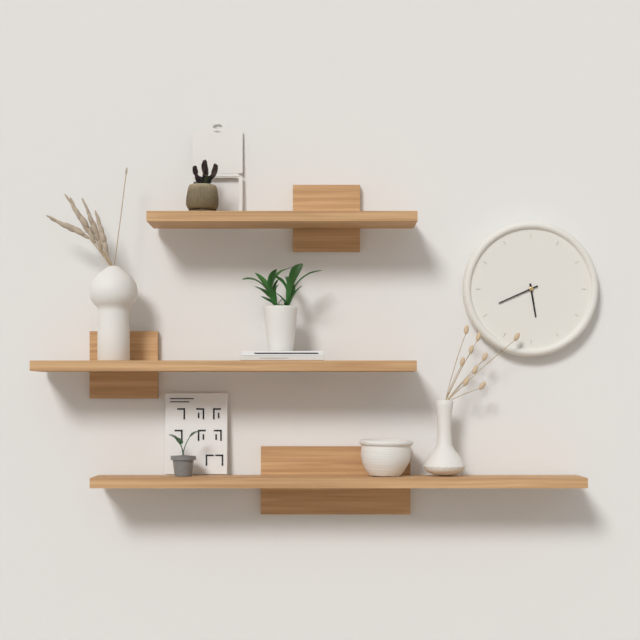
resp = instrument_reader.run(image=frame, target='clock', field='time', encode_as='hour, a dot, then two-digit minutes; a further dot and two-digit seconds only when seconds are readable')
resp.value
5.41
